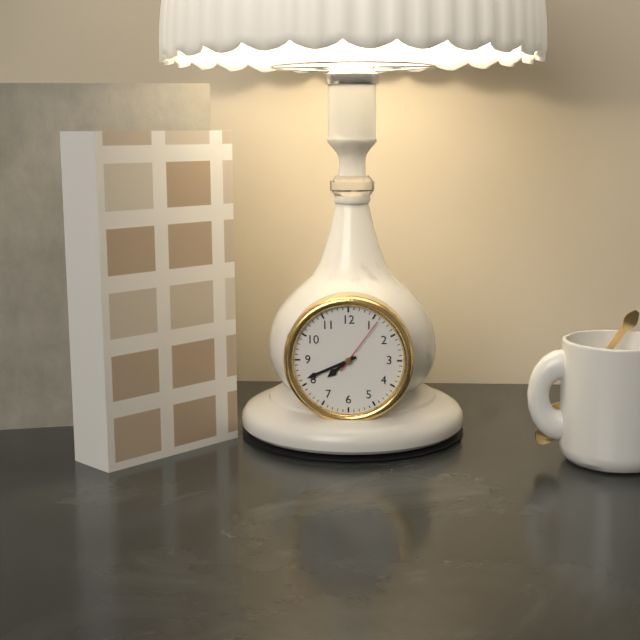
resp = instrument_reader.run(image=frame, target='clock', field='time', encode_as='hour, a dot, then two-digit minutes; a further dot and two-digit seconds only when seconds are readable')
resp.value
7.41.06
